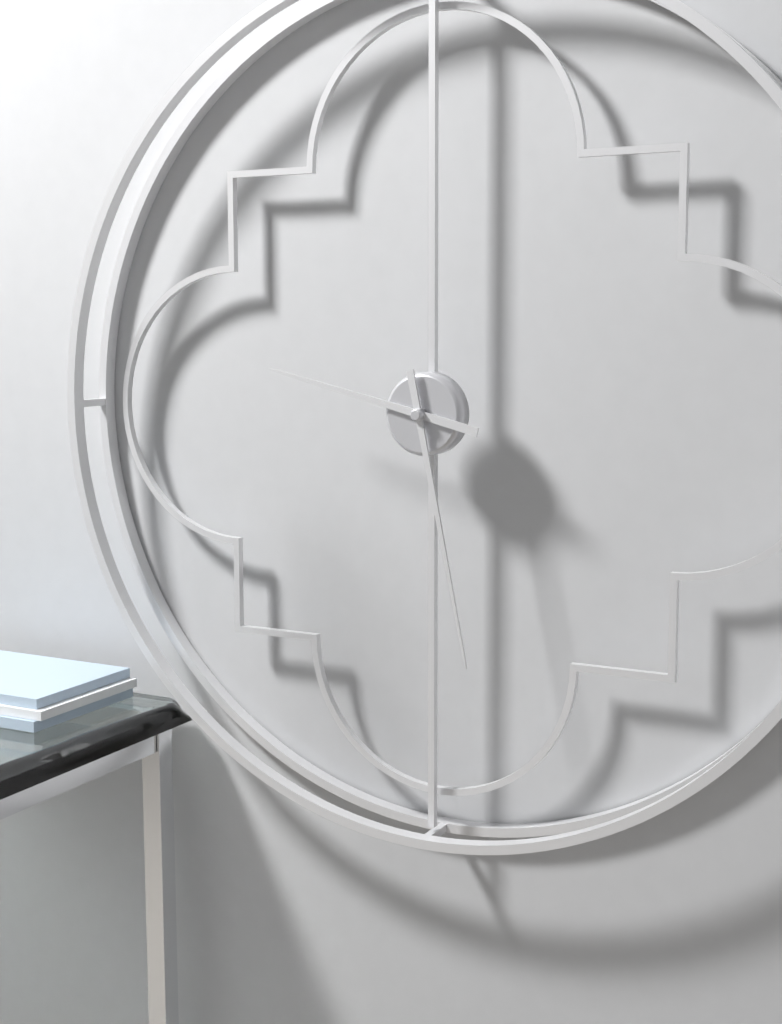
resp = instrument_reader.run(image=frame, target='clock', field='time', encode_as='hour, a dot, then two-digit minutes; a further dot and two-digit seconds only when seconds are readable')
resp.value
9.28
